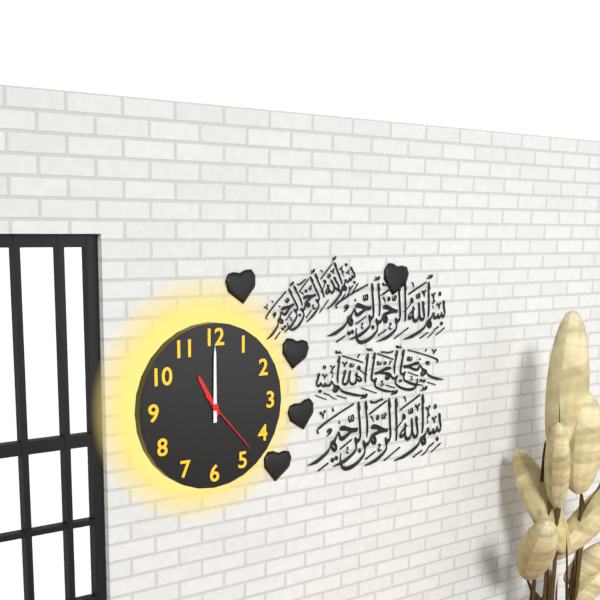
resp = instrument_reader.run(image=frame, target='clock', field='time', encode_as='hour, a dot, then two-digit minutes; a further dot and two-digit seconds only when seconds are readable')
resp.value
11.00.23
